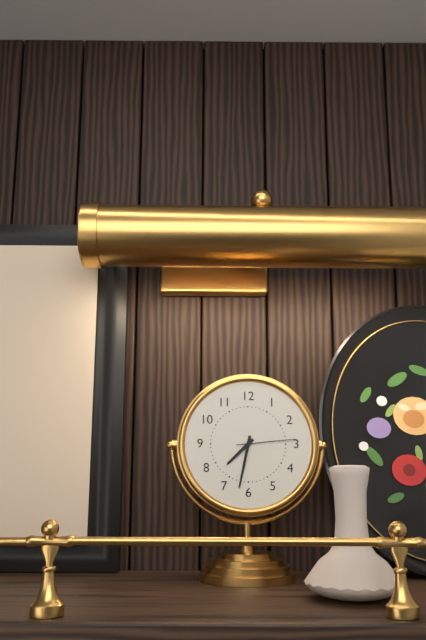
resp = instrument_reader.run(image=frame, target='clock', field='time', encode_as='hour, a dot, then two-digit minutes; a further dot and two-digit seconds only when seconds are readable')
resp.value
7.32.14
